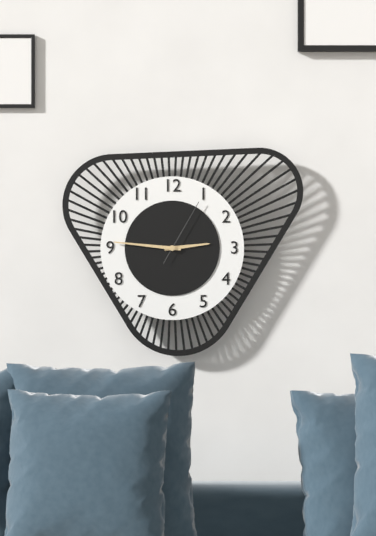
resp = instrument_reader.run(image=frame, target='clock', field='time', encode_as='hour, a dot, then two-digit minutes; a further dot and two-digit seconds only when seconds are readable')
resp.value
2.46.05
